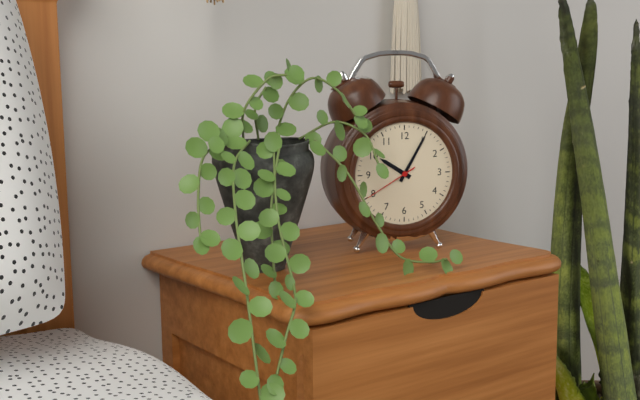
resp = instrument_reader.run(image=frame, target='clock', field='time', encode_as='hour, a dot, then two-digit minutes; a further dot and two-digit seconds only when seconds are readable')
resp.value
10.05.40
